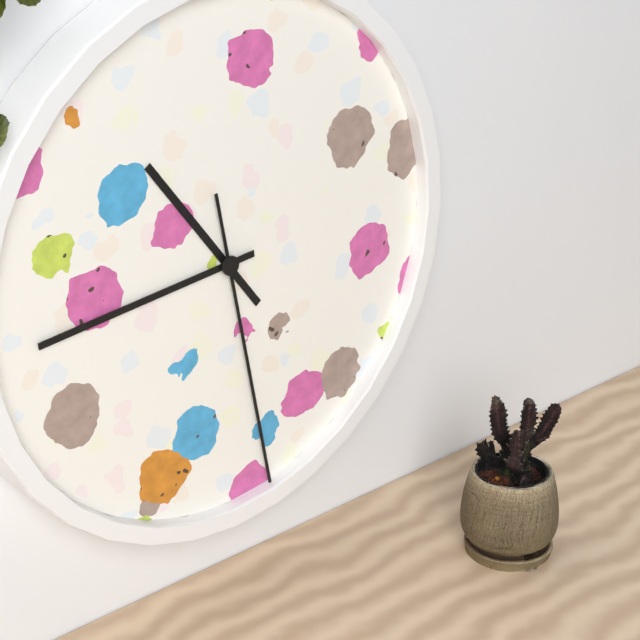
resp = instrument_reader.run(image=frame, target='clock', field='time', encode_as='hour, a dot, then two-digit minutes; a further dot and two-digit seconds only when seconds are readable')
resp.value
10.44.28
